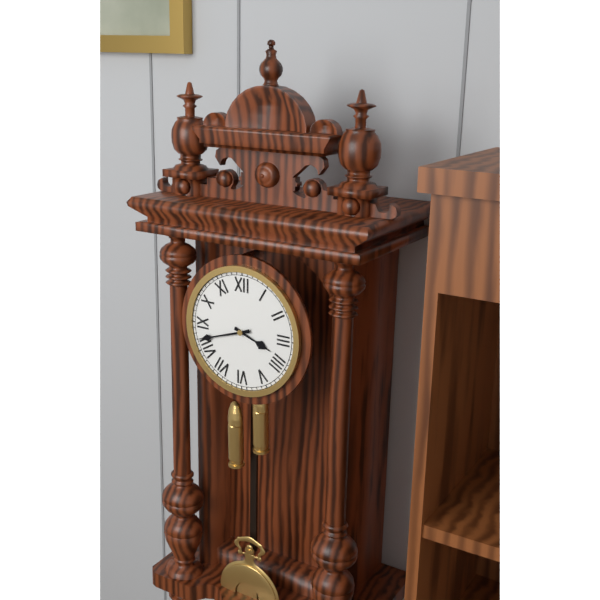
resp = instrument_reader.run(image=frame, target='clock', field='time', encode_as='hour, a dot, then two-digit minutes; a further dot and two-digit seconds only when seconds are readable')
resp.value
3.42
